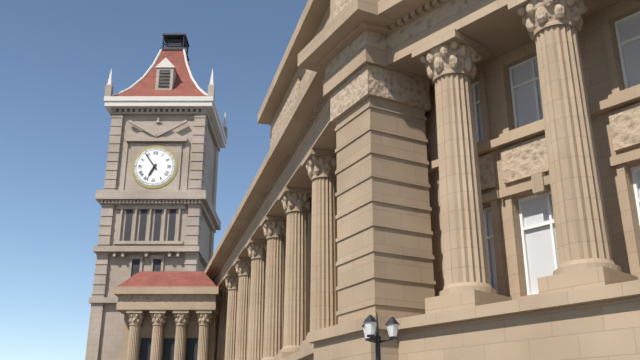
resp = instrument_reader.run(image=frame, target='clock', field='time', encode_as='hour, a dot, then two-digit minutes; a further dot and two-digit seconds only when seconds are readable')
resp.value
6.54
